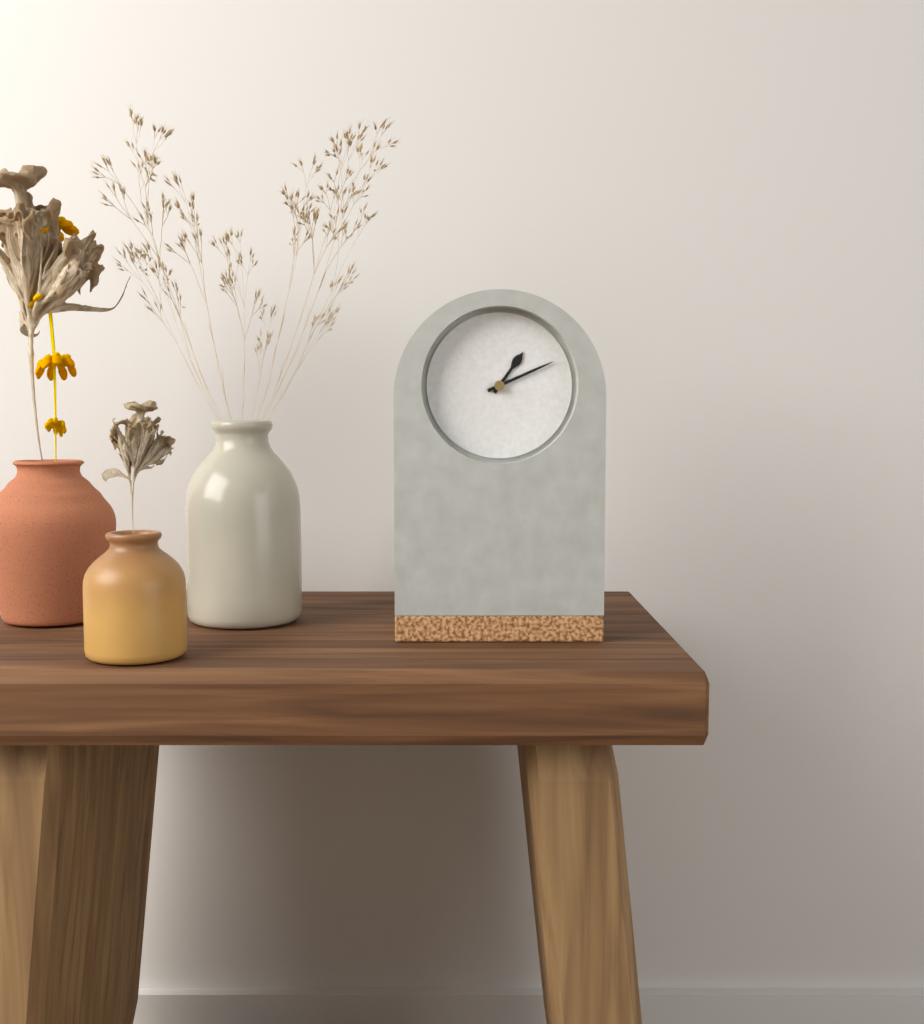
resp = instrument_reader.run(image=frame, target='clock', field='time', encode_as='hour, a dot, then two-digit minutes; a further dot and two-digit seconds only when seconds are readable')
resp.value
1.11
